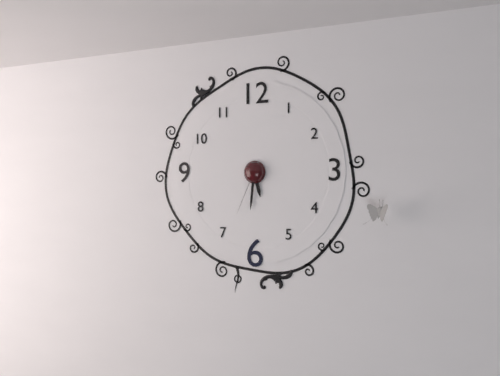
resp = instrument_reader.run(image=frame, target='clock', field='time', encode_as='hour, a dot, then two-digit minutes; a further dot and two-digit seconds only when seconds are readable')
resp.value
5.31.34
